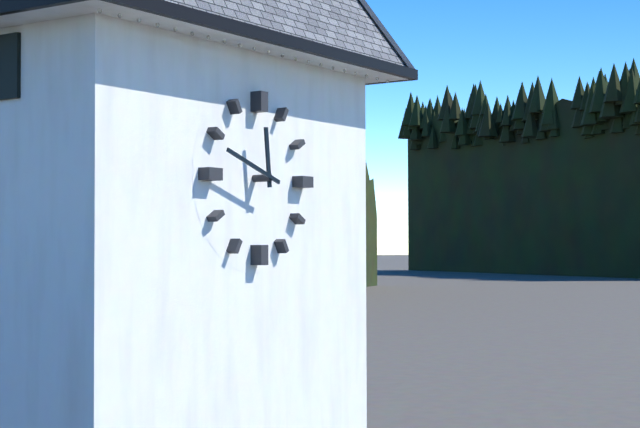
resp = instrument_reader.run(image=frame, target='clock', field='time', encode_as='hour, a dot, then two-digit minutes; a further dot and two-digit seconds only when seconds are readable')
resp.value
11.48
